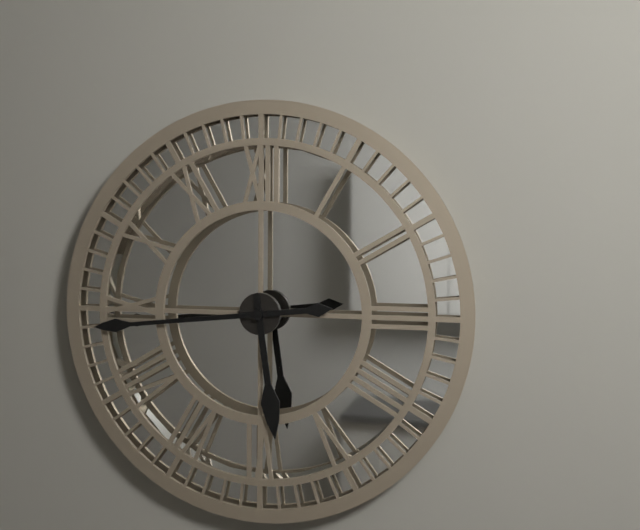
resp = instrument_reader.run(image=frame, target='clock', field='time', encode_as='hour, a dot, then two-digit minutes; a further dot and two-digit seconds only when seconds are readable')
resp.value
5.44
